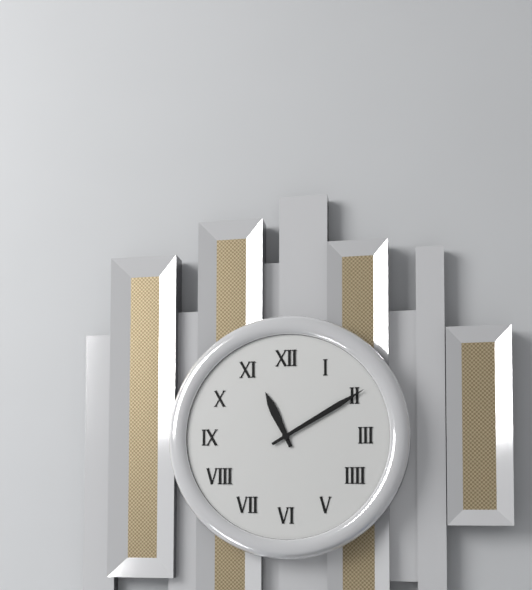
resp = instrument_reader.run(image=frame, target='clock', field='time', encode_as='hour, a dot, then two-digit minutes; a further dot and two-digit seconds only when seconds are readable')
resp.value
11.10
